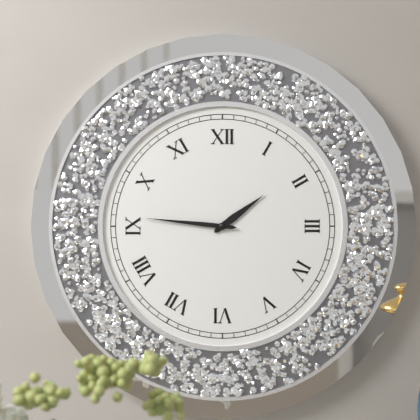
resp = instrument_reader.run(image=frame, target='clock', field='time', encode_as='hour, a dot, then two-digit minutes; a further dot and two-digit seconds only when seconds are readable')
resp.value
1.46
